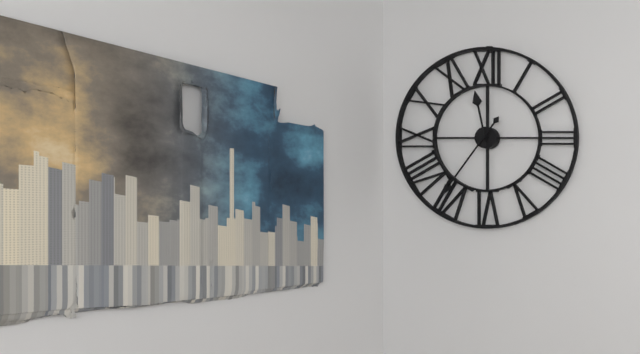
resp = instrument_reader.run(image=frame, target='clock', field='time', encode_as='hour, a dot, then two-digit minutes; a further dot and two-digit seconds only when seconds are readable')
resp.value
11.36
